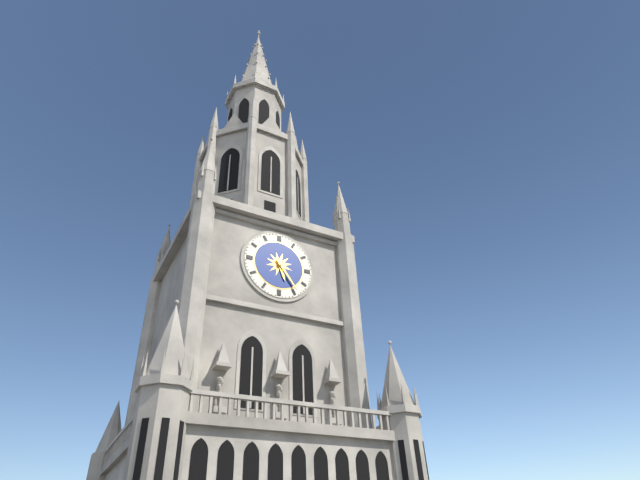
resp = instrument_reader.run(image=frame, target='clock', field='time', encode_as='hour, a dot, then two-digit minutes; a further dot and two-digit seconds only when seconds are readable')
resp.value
5.24
